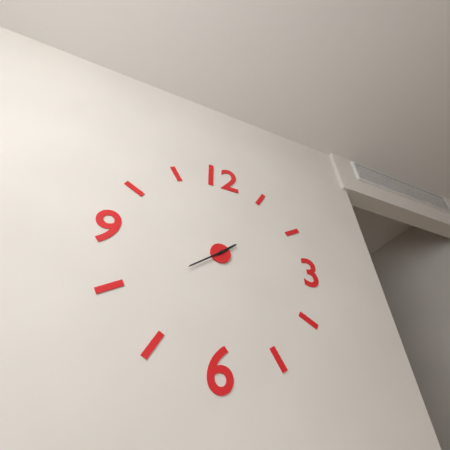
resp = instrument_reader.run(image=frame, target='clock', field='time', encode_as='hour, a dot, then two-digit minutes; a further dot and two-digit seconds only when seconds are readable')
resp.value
1.39
